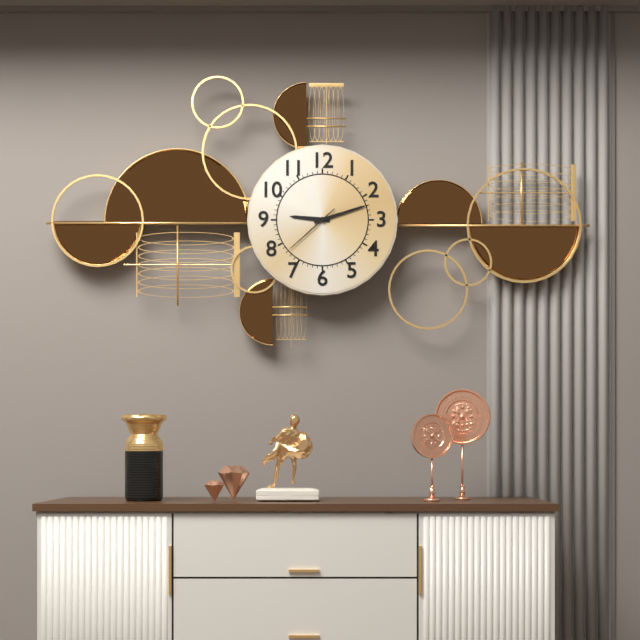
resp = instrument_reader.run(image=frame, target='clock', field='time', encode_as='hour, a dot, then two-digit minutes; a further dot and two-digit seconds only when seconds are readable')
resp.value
9.12.38
